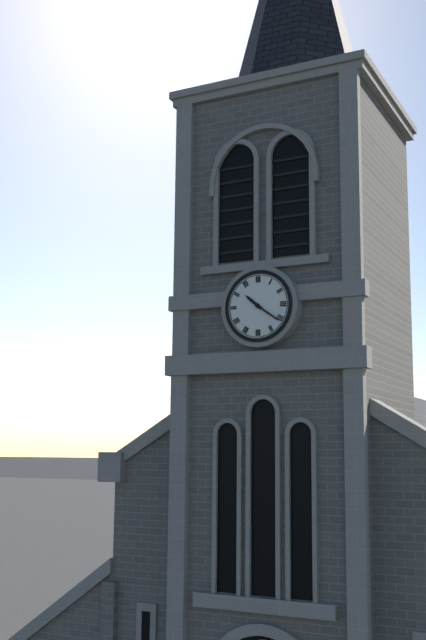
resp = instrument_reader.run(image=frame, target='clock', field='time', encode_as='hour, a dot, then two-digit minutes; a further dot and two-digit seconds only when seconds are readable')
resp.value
10.21
